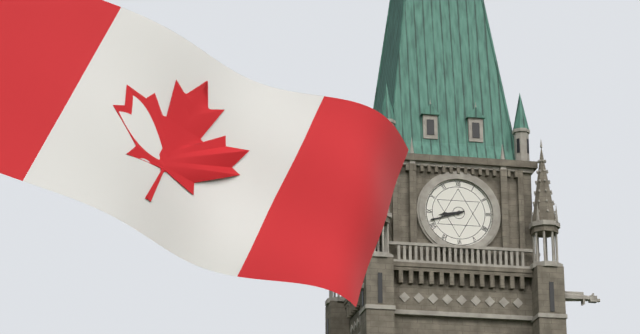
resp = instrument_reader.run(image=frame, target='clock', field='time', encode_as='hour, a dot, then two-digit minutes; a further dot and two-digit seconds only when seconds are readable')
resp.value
8.42
